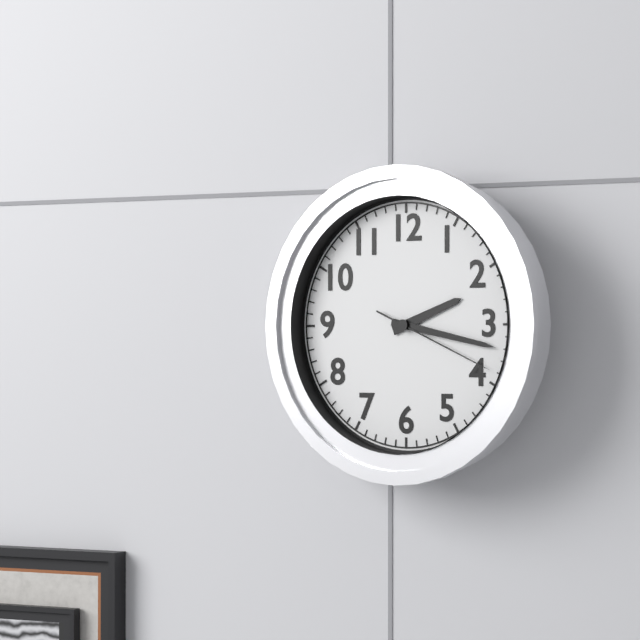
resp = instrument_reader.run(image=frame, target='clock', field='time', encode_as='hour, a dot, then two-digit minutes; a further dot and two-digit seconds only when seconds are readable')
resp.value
2.17.19
